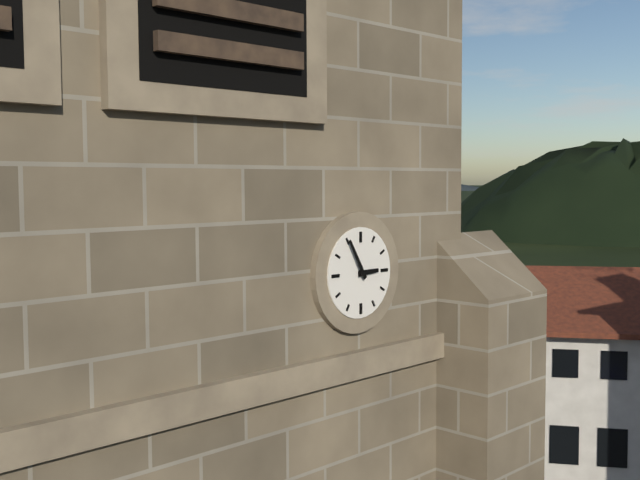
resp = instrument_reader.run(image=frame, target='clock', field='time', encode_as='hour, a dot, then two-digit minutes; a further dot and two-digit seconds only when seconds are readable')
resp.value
2.55
